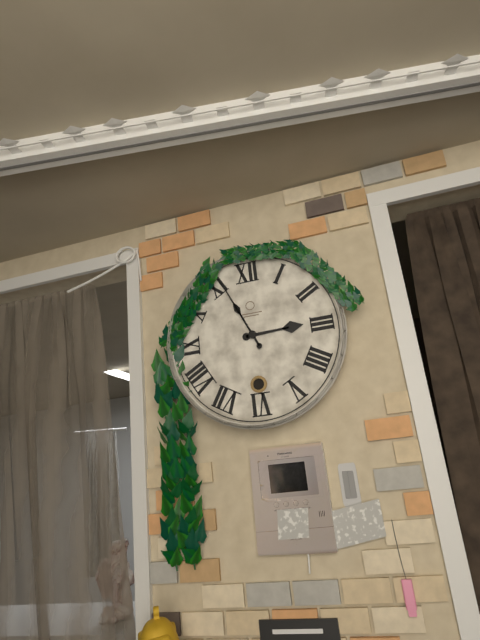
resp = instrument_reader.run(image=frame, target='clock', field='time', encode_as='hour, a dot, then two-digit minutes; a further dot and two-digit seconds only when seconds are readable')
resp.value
2.56
